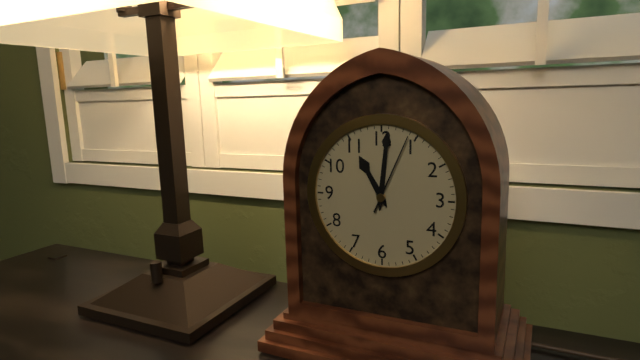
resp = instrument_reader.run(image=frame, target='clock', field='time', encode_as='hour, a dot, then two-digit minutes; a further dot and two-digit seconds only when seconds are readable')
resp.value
11.01.04
